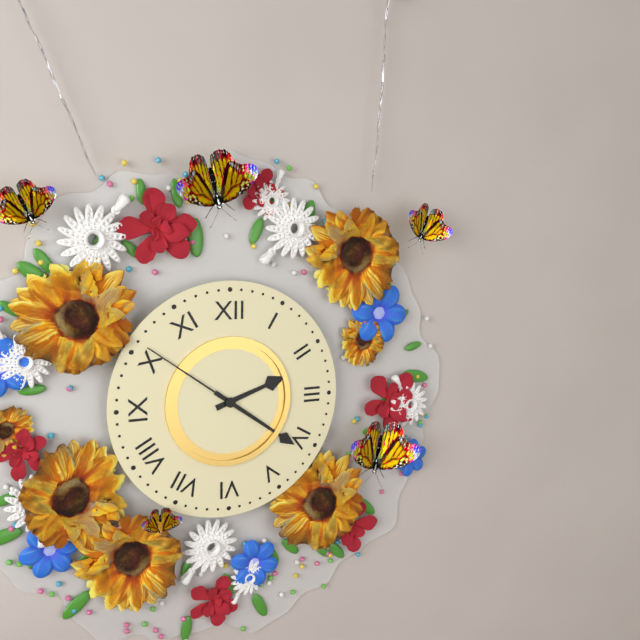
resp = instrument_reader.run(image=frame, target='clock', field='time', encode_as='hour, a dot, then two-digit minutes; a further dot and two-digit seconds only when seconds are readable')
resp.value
2.21.51
